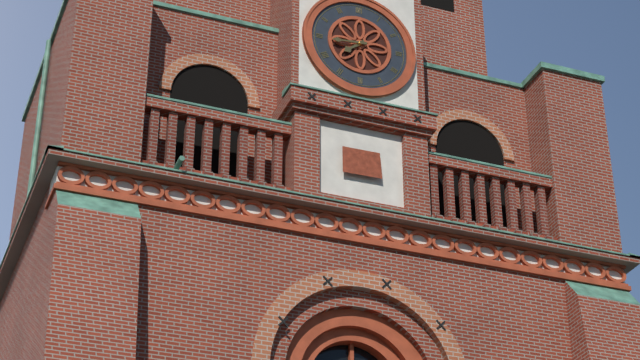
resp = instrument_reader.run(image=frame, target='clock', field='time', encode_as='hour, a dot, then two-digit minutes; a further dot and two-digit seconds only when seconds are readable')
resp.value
7.44
